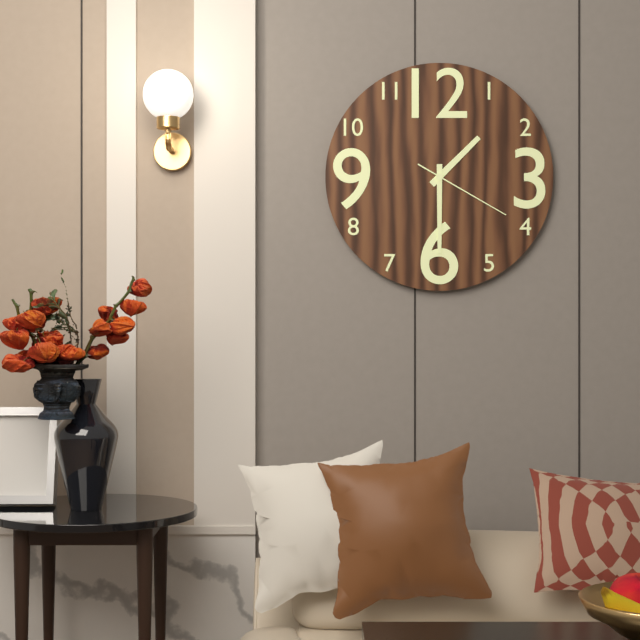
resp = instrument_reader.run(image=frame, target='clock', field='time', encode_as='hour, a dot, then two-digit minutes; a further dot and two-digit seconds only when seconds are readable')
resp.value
1.30.20
